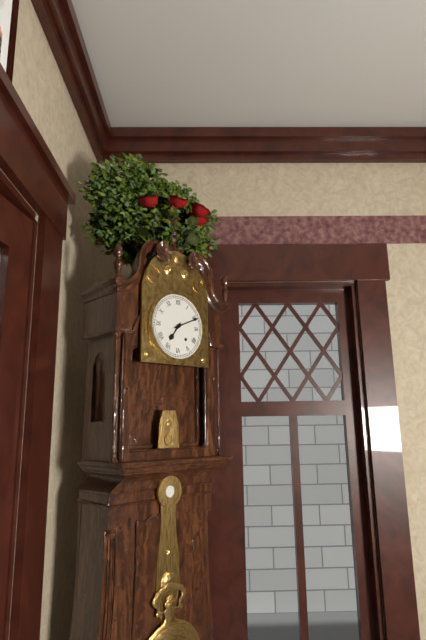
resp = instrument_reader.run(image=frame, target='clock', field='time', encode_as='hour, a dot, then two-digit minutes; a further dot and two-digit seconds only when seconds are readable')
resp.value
7.11
